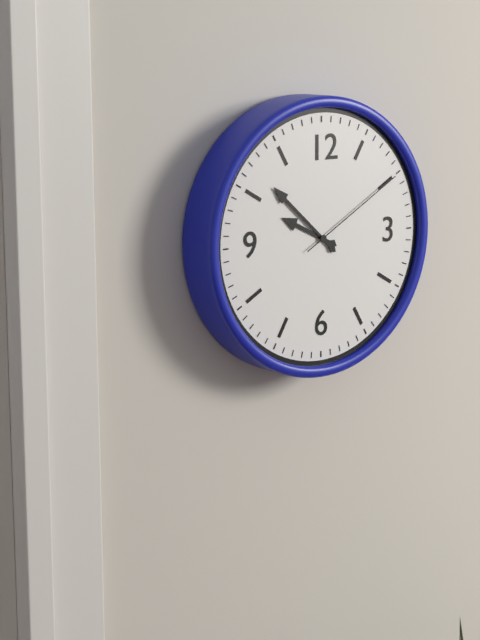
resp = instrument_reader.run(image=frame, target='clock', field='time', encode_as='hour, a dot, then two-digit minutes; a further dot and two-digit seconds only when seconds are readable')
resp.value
9.52.10
